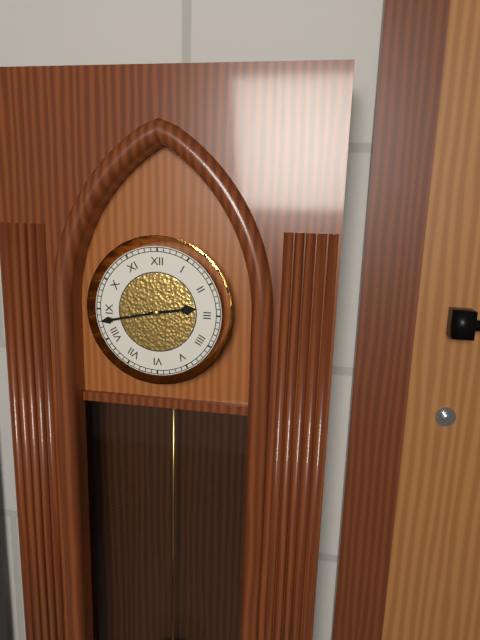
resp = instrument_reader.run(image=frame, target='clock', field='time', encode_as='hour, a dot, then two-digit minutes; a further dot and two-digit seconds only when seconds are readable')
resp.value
2.43
